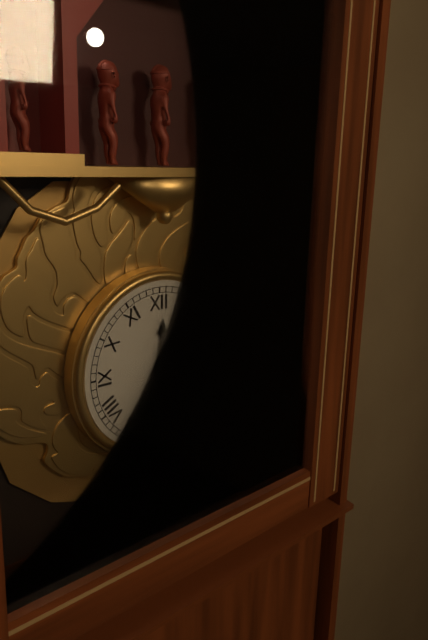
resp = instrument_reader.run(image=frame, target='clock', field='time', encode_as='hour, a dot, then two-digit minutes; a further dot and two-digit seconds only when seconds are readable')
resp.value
12.08
